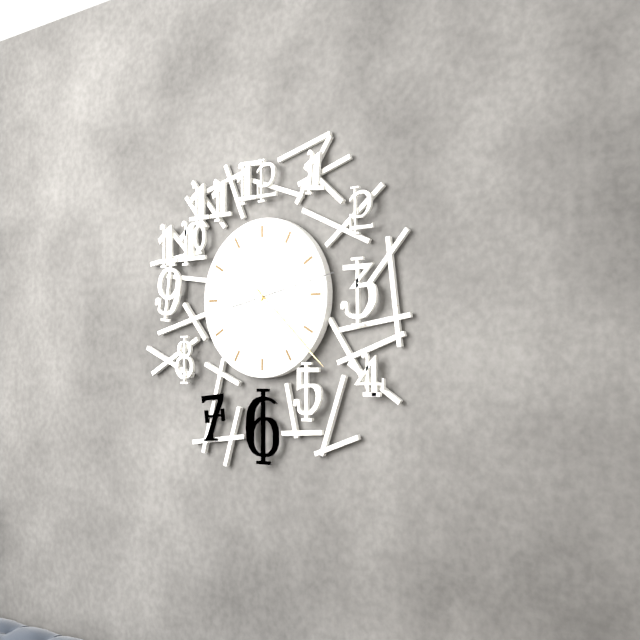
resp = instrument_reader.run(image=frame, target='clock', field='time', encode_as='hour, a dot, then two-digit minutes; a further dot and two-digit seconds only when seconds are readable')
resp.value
4.22.13
